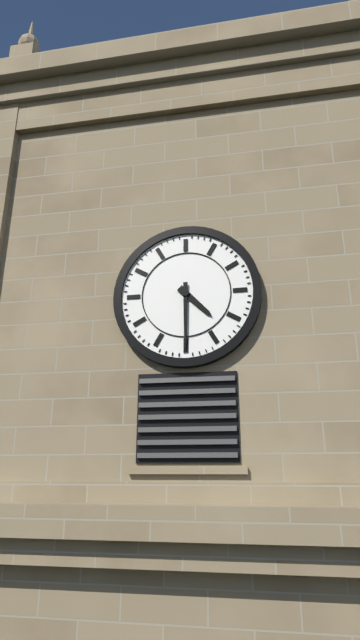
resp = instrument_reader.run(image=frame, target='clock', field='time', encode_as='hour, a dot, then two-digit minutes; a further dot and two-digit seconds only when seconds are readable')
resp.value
4.30
